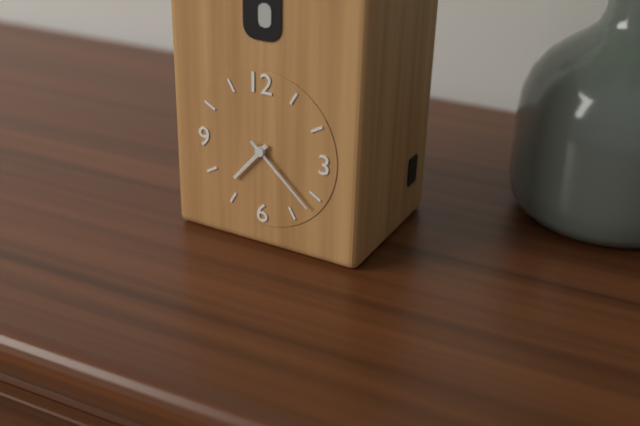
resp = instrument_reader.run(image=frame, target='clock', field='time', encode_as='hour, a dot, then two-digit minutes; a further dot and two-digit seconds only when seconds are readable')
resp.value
7.22
